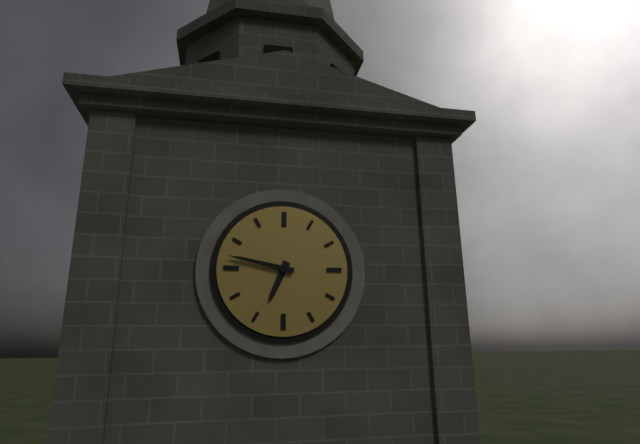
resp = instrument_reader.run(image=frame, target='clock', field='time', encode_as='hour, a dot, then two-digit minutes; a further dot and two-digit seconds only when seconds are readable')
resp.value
6.47
